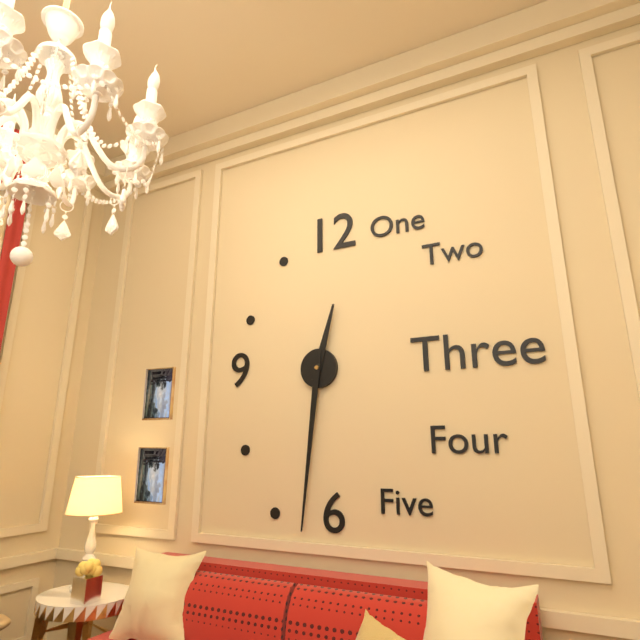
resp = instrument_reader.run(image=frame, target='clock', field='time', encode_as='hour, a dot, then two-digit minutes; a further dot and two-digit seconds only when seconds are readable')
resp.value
12.31
